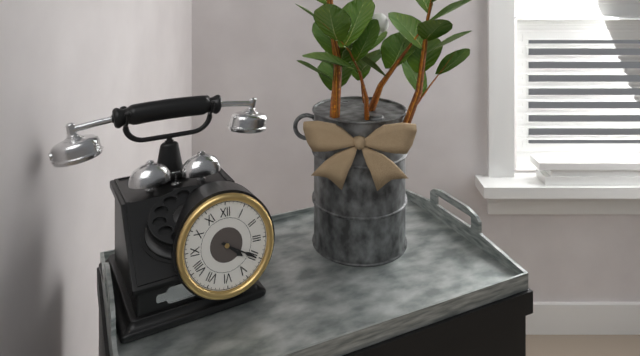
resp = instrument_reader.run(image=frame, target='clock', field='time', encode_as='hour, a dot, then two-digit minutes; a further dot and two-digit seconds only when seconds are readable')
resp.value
4.20
